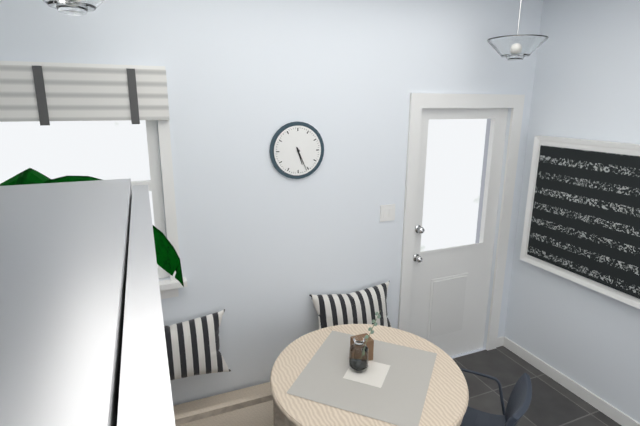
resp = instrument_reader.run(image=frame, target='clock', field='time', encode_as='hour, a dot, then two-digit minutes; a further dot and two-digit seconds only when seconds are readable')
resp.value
5.26
